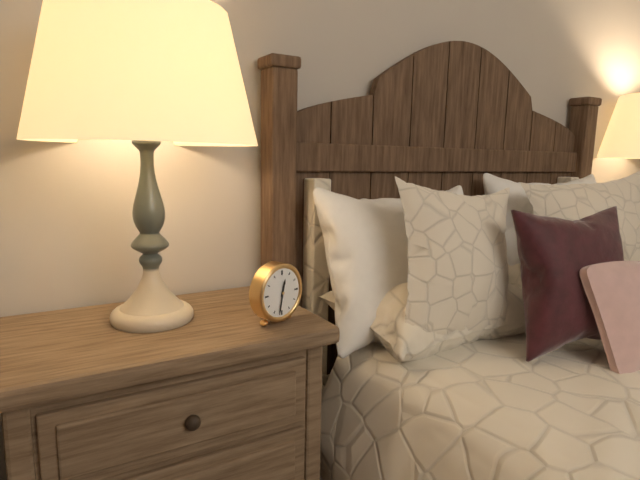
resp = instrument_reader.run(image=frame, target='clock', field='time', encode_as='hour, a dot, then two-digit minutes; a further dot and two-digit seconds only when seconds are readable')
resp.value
12.32
